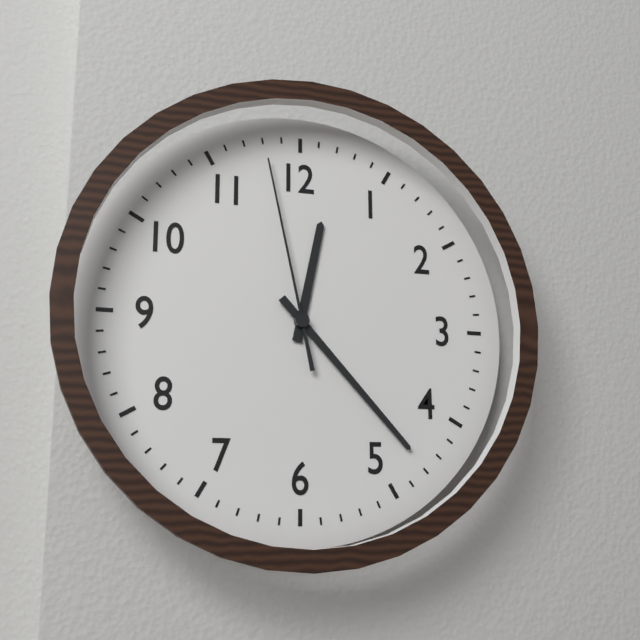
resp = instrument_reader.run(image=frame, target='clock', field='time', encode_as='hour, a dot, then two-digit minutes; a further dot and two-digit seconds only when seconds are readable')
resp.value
12.23.58
